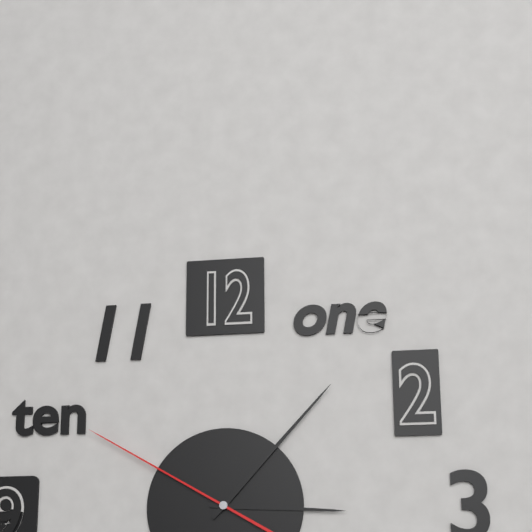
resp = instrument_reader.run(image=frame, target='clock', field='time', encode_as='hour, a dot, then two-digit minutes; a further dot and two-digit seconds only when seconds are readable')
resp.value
3.07.50
